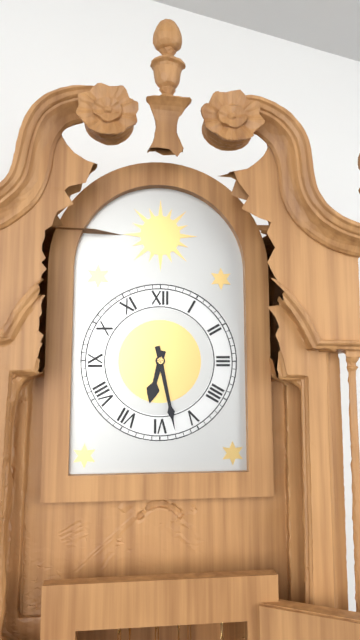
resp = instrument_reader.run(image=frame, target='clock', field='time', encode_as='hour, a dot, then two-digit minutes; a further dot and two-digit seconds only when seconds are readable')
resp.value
6.28
